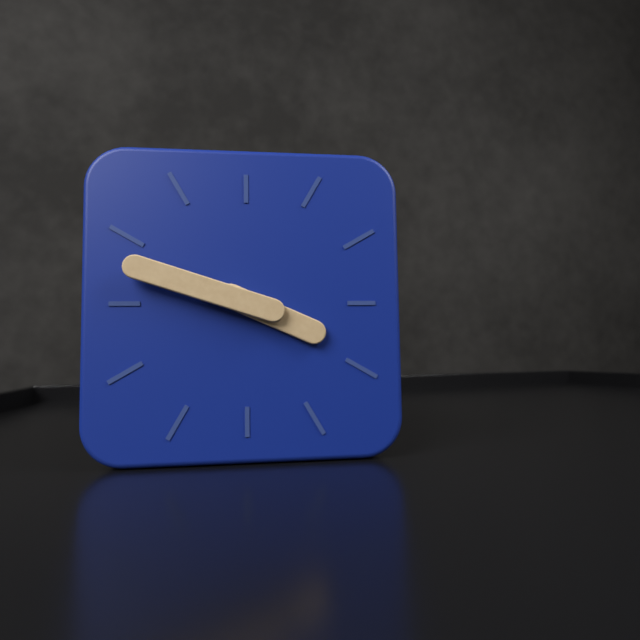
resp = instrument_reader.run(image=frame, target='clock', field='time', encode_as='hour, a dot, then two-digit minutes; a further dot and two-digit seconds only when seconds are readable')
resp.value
3.48
